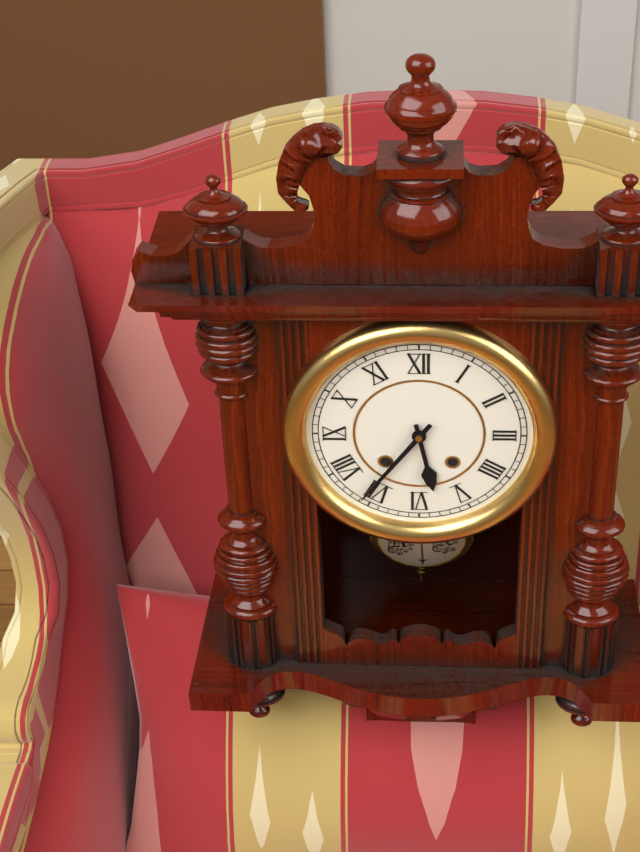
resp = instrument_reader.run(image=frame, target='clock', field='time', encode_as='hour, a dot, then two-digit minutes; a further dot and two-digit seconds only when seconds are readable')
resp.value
5.36
